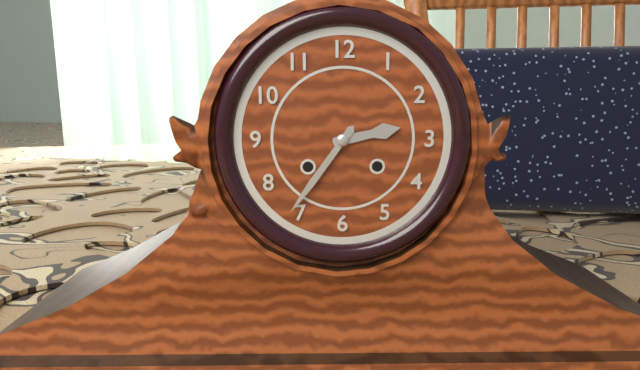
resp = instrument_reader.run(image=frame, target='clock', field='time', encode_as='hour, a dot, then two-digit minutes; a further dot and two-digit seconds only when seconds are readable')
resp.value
2.36
